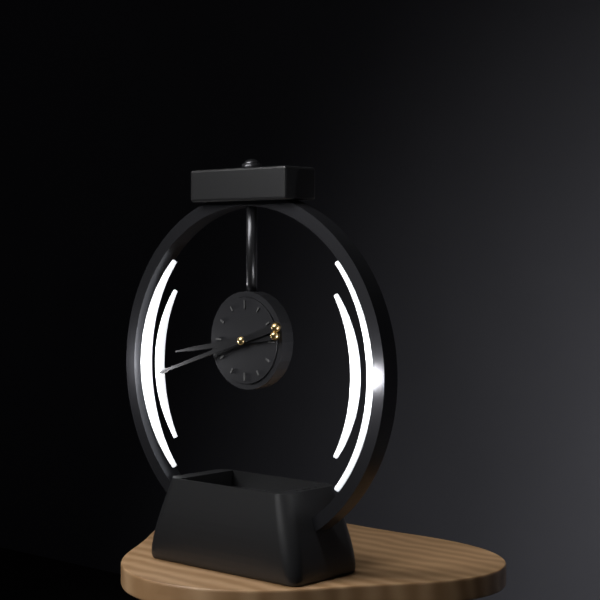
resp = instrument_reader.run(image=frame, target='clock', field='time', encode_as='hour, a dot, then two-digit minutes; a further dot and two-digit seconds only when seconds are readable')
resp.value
8.42
